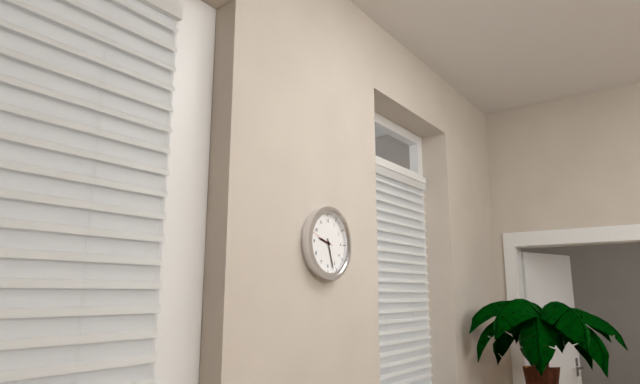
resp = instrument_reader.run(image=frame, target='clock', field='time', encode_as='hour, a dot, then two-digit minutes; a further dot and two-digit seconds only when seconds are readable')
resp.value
9.27
